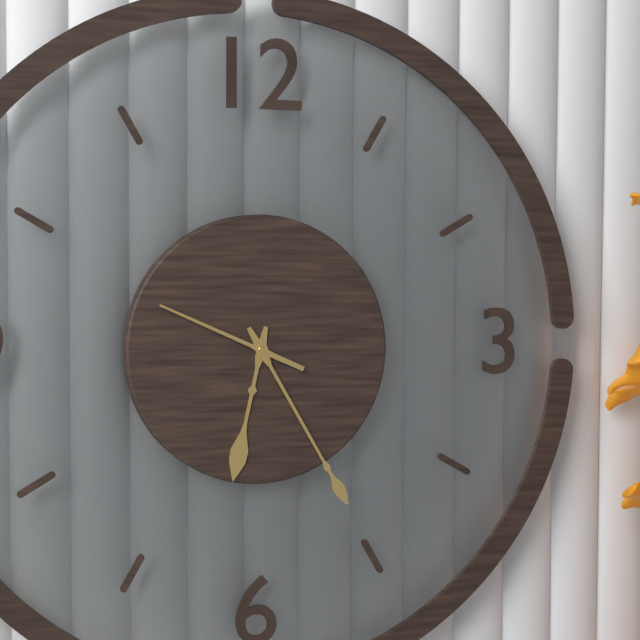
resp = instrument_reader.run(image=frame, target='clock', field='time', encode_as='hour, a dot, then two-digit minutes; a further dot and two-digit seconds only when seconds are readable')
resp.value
6.25.49
